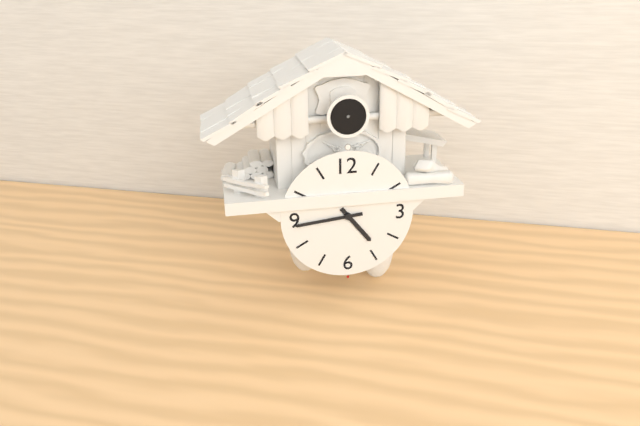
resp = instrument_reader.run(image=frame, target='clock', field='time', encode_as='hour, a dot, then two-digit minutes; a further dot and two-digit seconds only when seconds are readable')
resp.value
4.44
